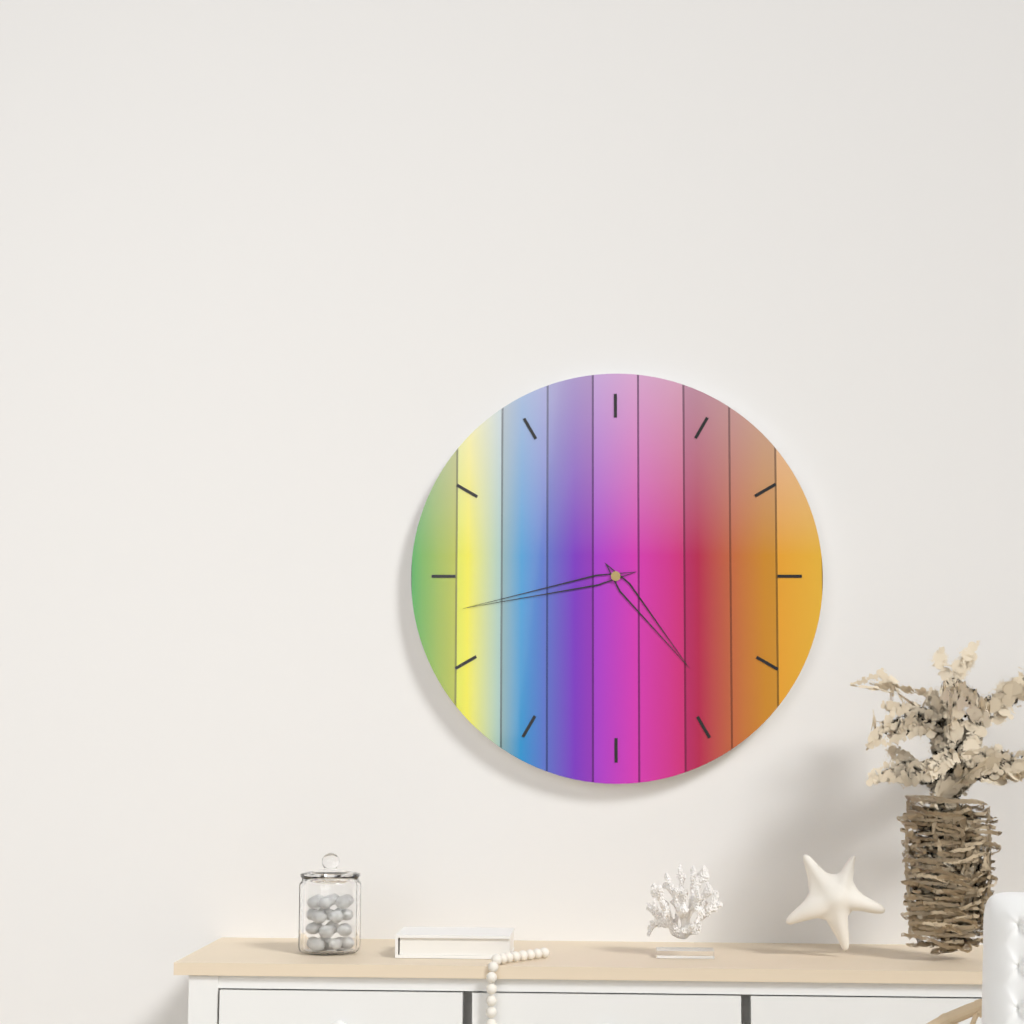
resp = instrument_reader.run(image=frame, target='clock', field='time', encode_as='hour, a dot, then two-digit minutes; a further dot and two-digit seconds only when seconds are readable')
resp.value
4.43
